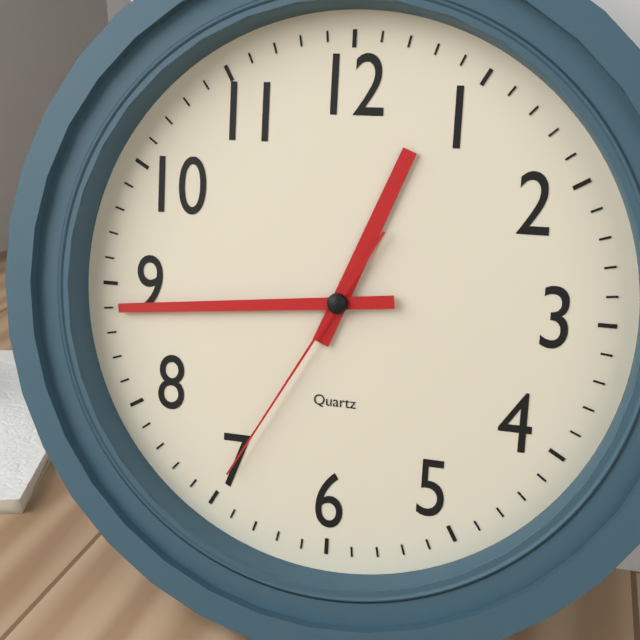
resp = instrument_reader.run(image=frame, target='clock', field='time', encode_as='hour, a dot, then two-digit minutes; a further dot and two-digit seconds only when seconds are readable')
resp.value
12.44.35
